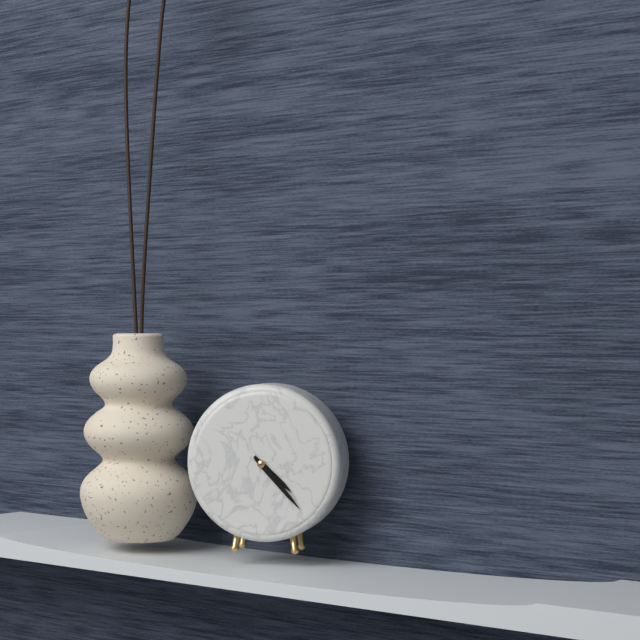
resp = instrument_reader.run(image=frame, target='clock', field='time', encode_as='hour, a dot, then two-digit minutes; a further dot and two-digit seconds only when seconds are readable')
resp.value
4.23
